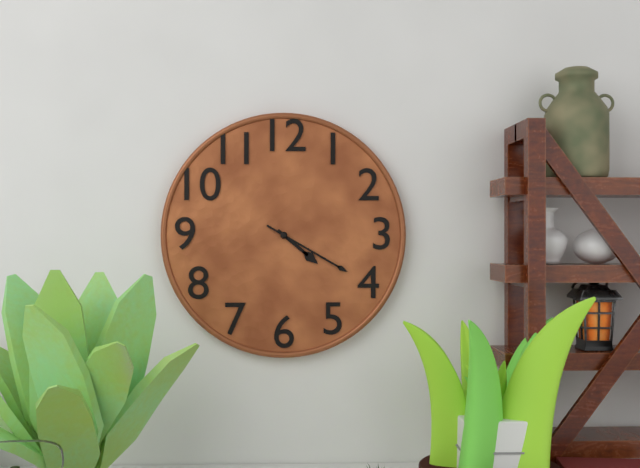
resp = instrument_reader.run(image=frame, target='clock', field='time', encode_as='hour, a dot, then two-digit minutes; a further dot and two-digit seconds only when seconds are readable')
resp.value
4.20
